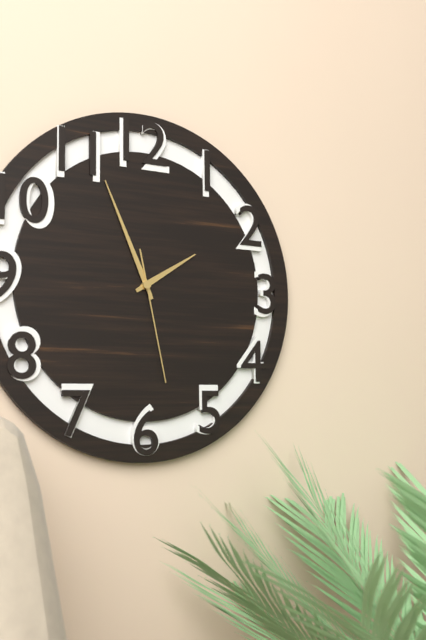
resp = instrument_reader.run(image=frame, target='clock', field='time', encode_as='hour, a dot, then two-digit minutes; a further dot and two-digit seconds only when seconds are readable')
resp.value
1.56.28
